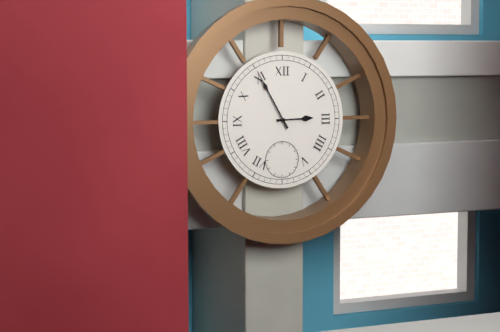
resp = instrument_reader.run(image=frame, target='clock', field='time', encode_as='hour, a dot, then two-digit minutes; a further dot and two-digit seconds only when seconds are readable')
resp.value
2.55
